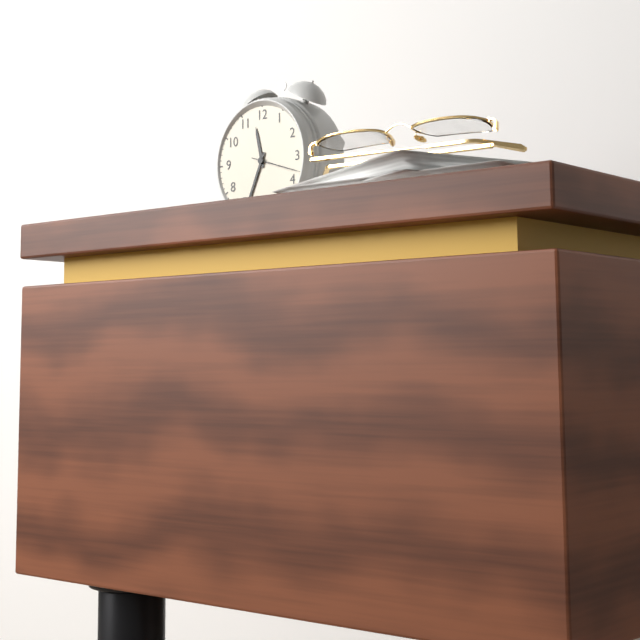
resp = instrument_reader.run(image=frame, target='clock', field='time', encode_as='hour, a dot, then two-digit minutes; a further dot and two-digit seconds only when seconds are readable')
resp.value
11.34.18
